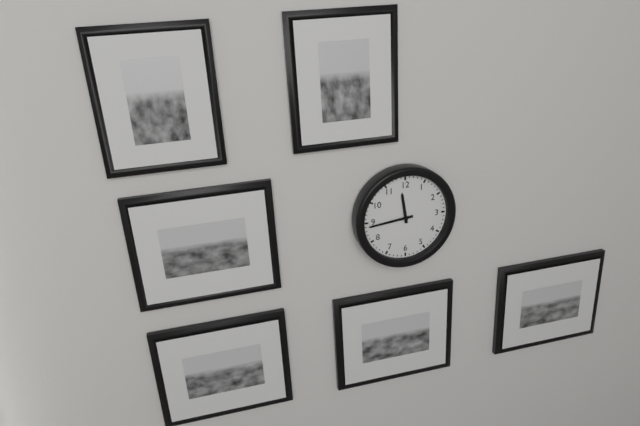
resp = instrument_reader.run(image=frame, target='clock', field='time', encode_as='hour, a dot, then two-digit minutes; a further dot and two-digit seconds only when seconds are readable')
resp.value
11.44
